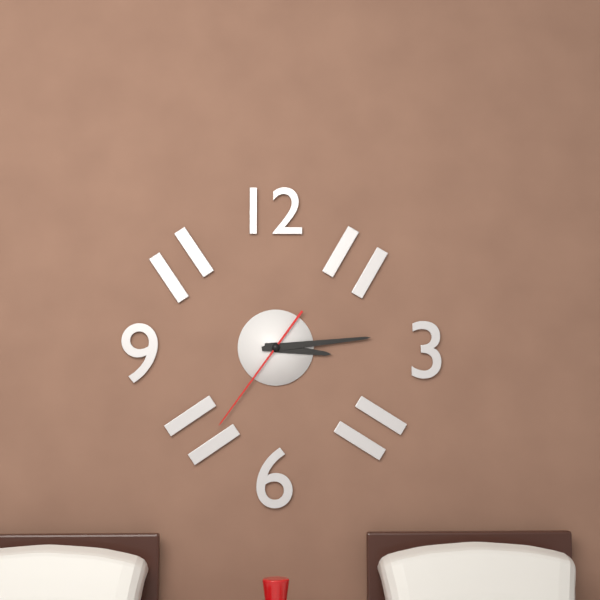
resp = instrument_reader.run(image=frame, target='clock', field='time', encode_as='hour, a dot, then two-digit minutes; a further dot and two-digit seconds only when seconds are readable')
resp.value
3.14.36
